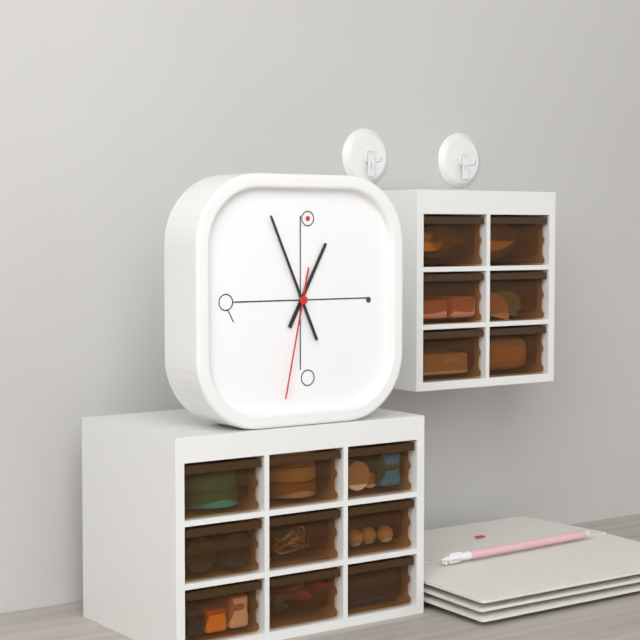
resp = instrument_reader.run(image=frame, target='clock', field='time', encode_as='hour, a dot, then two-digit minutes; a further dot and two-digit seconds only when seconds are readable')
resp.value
12.56.32
